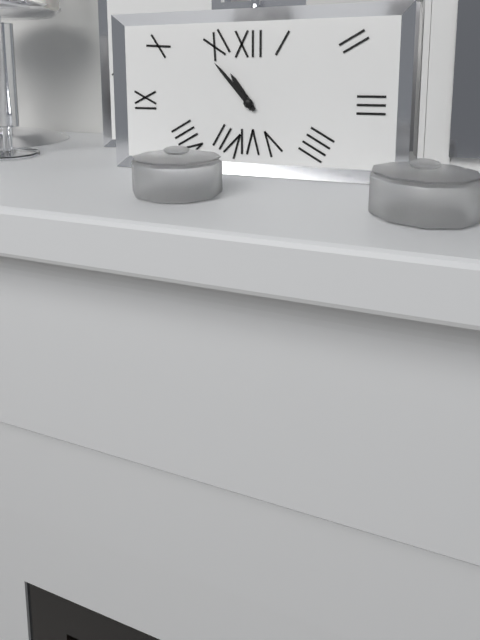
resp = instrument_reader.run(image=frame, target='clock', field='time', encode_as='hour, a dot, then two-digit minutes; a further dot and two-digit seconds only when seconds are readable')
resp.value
10.53
